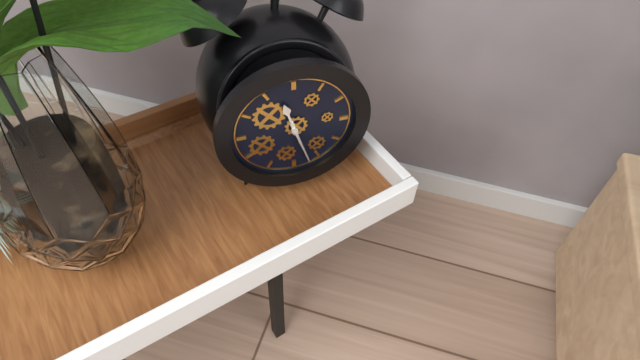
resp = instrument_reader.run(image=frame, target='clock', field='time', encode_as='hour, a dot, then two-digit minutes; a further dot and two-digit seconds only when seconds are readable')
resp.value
11.27
